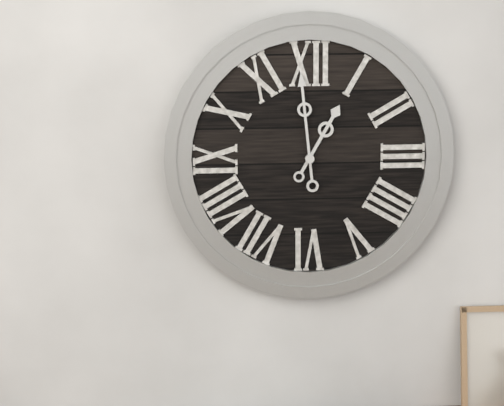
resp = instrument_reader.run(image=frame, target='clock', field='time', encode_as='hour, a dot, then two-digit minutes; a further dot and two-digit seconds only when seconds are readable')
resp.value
12.59
